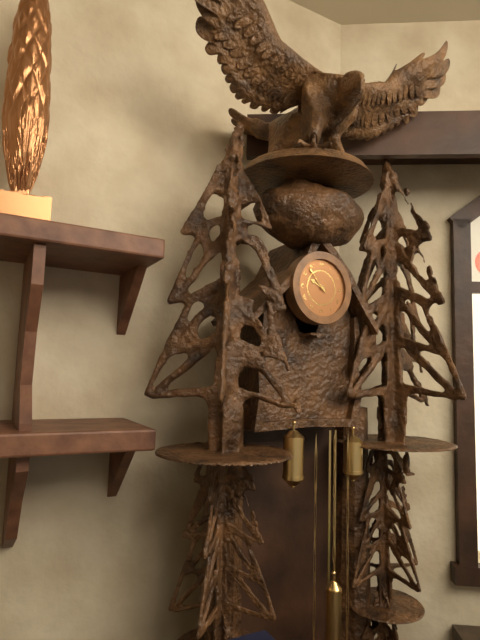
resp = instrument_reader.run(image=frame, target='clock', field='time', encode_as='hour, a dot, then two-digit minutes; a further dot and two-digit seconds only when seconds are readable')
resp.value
9.53
